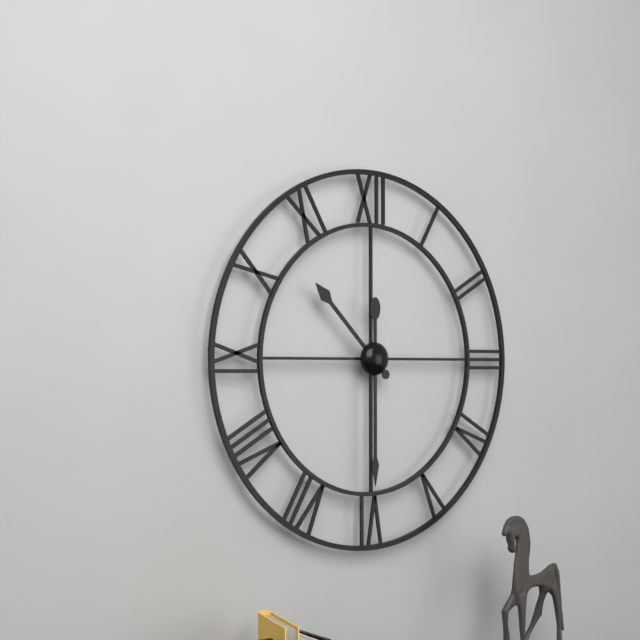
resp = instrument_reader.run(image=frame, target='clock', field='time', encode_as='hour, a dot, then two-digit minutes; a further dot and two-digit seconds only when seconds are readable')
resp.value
10.30
